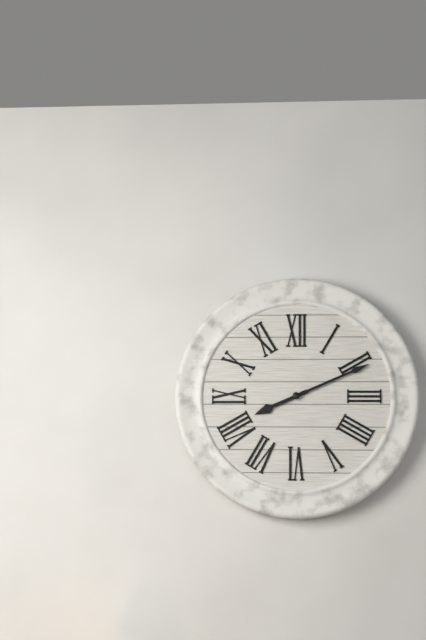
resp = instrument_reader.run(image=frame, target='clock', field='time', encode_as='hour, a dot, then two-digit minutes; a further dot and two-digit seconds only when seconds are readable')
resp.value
8.11
